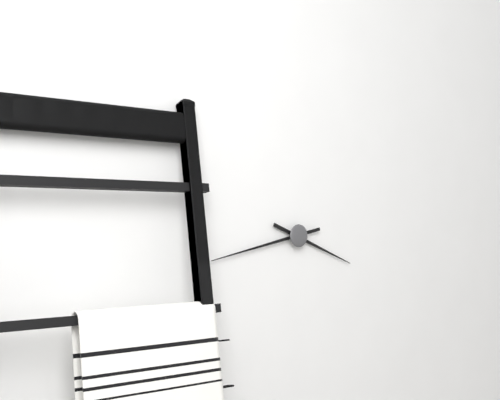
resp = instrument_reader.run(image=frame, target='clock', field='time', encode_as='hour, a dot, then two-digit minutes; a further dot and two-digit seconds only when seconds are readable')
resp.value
3.43
